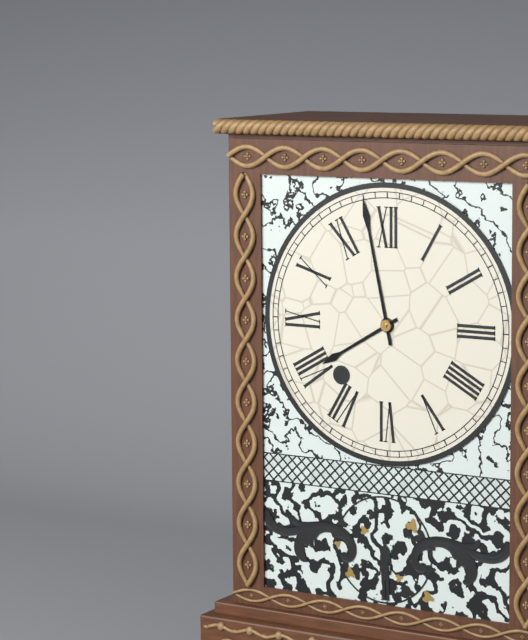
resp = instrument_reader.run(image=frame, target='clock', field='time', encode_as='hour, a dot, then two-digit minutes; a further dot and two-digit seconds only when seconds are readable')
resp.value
7.58
